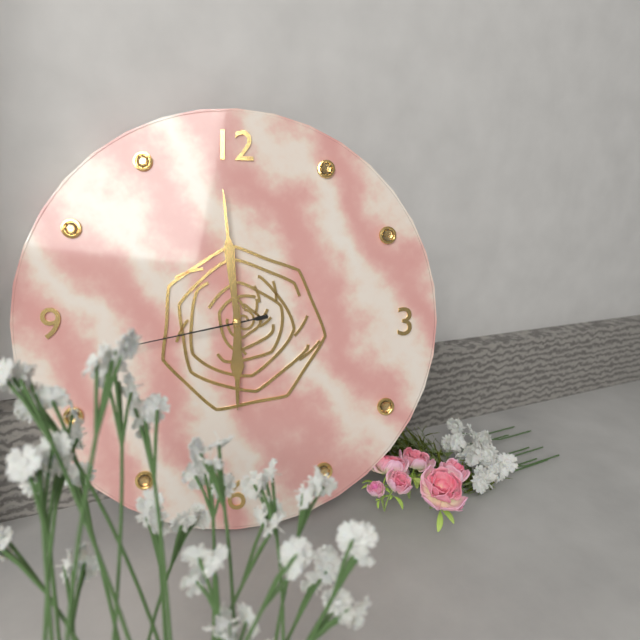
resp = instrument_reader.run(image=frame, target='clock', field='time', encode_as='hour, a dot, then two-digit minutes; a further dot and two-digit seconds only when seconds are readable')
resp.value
5.59.43
